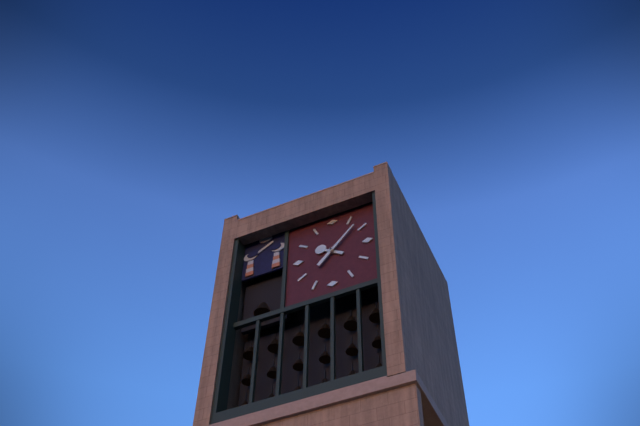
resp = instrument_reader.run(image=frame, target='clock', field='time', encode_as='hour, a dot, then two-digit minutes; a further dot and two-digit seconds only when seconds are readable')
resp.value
10.07
